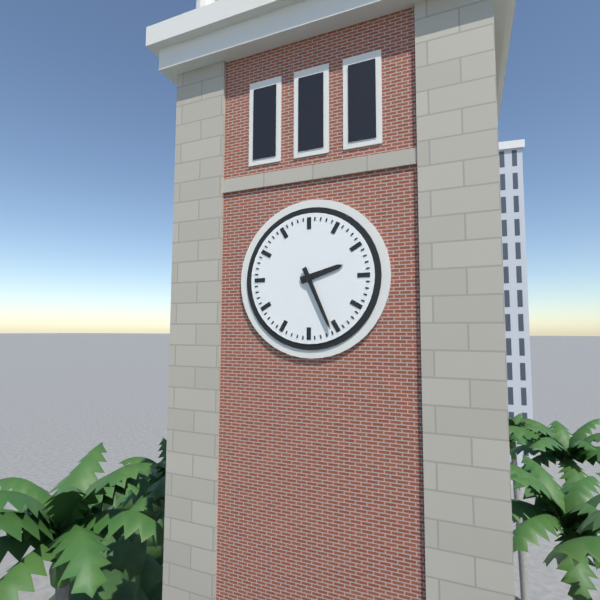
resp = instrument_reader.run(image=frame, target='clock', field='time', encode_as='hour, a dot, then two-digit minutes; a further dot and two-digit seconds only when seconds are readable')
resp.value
2.26
